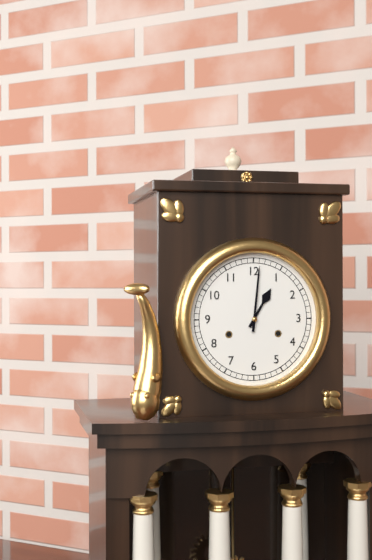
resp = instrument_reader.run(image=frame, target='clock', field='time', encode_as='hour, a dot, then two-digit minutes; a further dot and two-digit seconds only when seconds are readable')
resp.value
1.01
